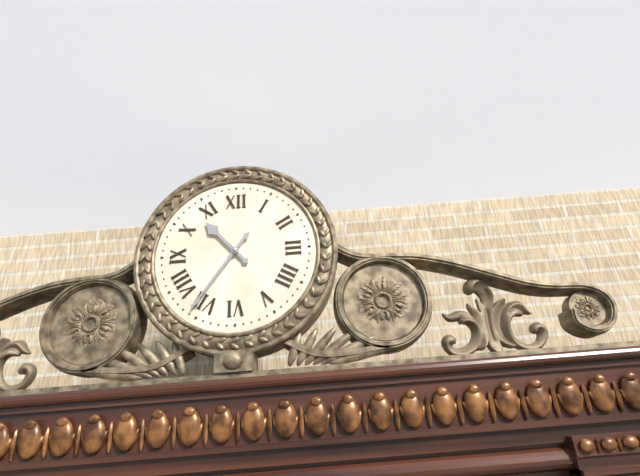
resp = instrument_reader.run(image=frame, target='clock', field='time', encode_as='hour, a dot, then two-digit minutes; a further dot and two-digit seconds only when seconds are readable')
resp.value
10.36
